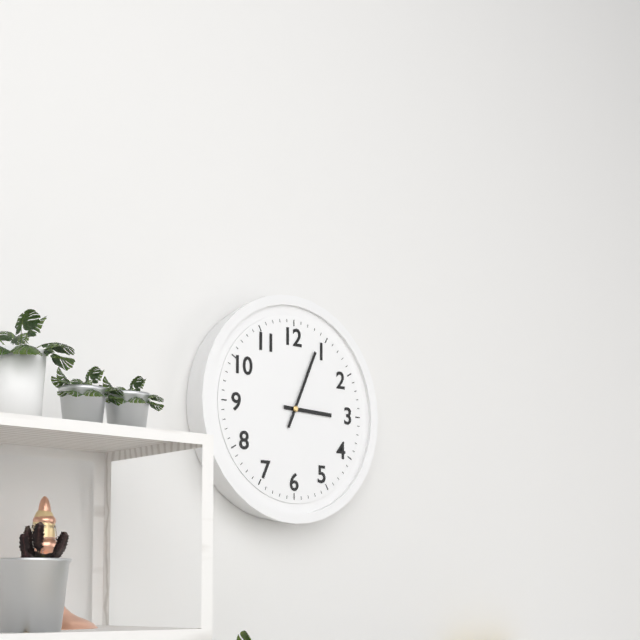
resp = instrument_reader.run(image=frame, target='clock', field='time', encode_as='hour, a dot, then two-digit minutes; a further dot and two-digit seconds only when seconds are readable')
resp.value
3.04
